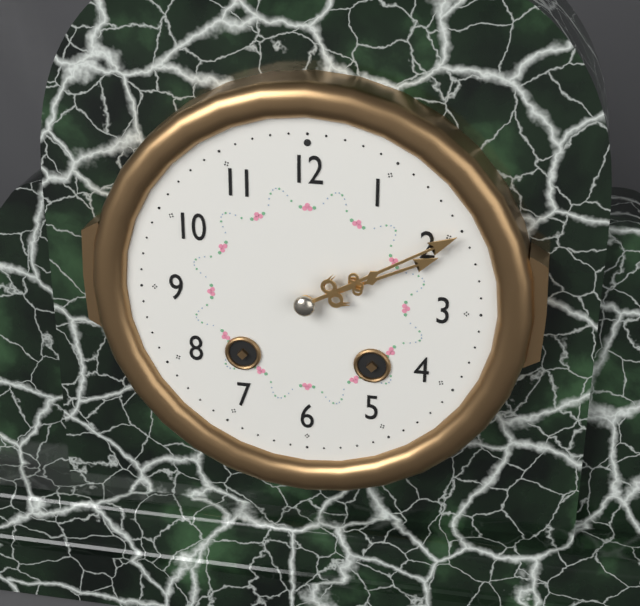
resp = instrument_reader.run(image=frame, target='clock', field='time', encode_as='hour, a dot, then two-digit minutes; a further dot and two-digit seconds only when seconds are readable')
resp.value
2.10
